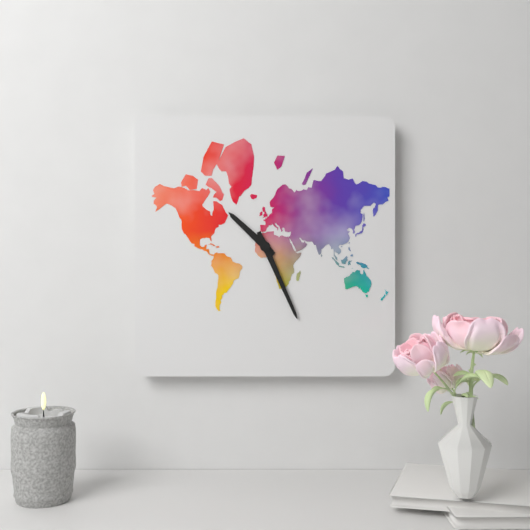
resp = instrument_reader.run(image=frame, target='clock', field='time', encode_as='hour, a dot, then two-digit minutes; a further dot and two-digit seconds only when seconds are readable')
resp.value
10.26
